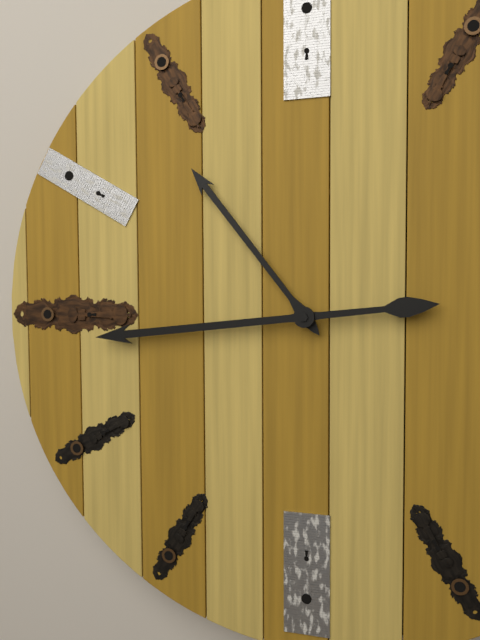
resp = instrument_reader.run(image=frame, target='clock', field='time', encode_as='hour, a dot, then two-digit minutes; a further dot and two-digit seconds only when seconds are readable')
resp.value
10.44
